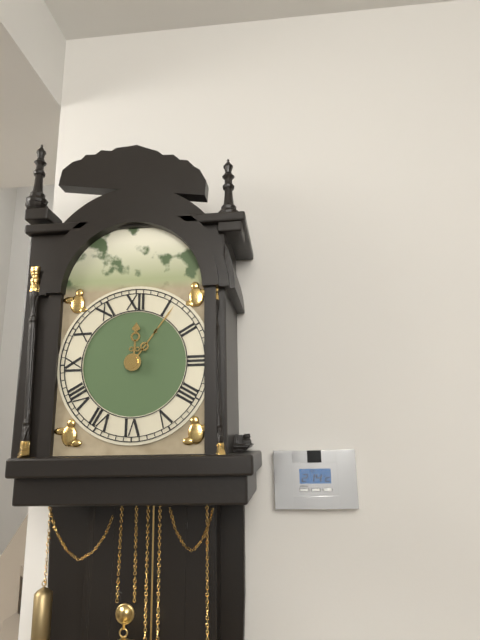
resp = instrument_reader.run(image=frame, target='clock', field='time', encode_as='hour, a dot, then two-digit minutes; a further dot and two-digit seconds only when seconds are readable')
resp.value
12.06
